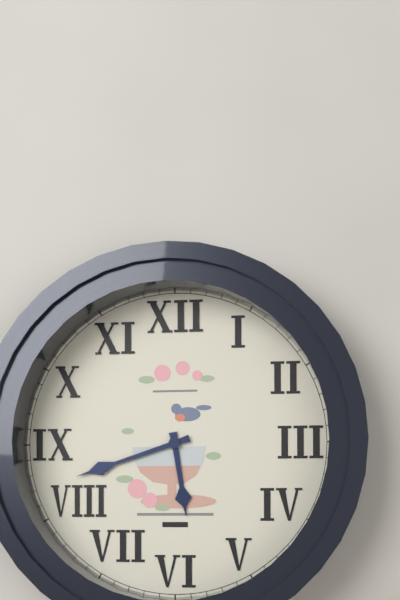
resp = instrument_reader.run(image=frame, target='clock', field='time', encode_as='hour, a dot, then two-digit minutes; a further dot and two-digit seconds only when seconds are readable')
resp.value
5.42
